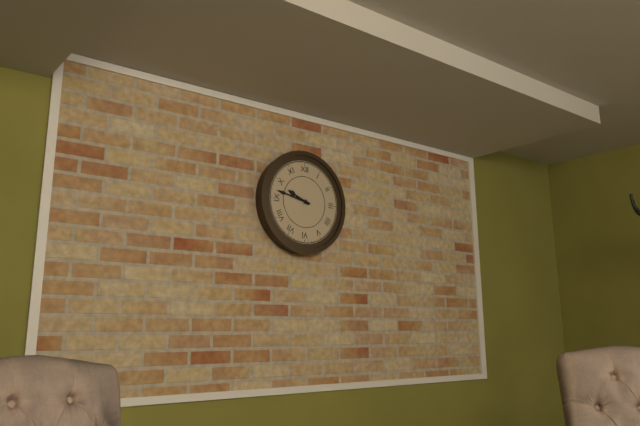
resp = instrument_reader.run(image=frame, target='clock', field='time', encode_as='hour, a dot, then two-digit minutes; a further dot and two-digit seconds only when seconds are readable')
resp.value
9.47
